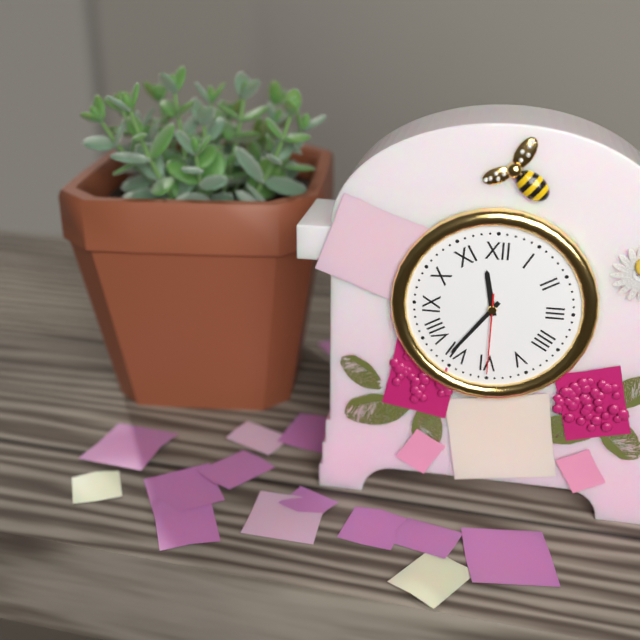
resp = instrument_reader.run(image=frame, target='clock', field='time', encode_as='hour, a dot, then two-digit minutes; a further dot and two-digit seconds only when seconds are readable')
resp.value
11.36.30
